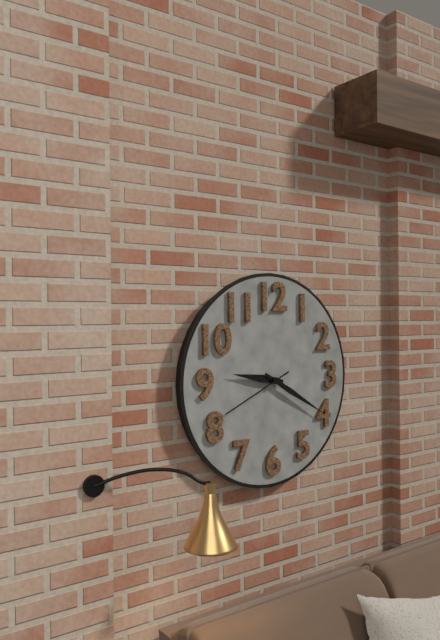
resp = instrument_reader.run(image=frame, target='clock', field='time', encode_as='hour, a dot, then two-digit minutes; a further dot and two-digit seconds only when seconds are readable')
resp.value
9.20.41
